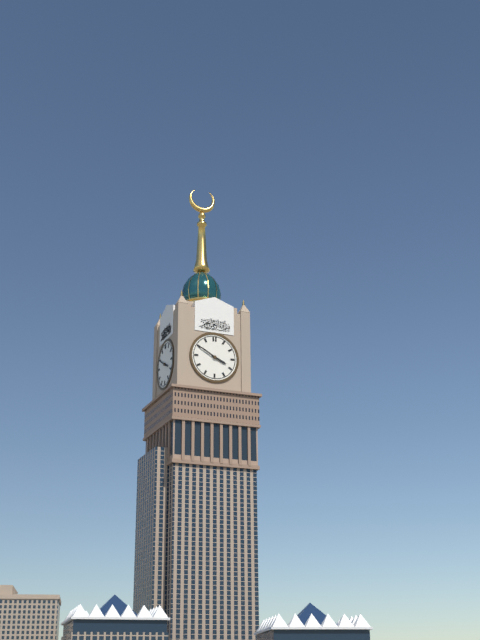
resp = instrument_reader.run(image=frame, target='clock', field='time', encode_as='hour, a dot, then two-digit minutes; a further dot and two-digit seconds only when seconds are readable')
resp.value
3.50
